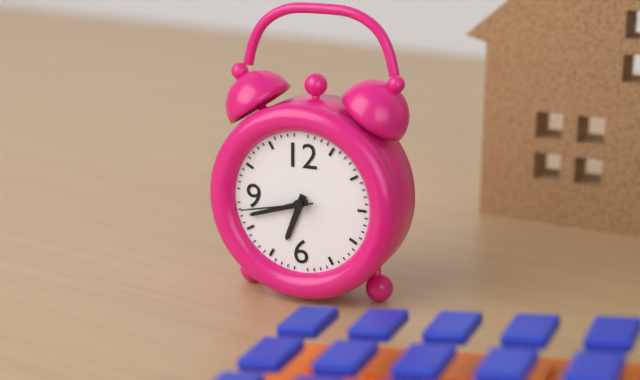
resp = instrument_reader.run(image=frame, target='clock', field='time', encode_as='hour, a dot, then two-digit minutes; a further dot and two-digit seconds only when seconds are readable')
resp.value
6.42.43
